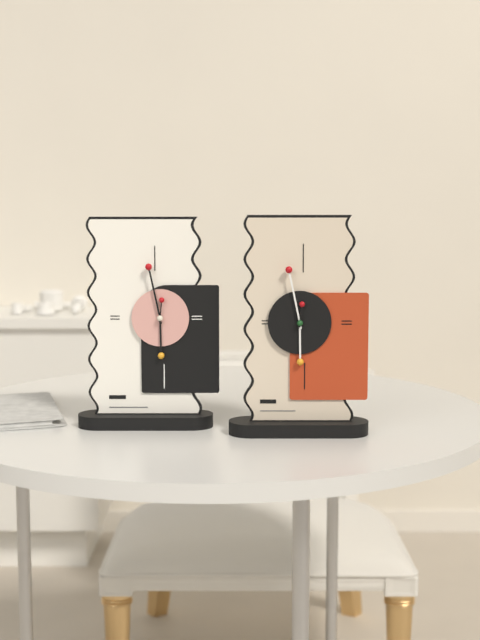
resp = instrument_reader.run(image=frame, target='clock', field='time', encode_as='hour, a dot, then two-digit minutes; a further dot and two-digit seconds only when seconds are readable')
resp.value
5.58
